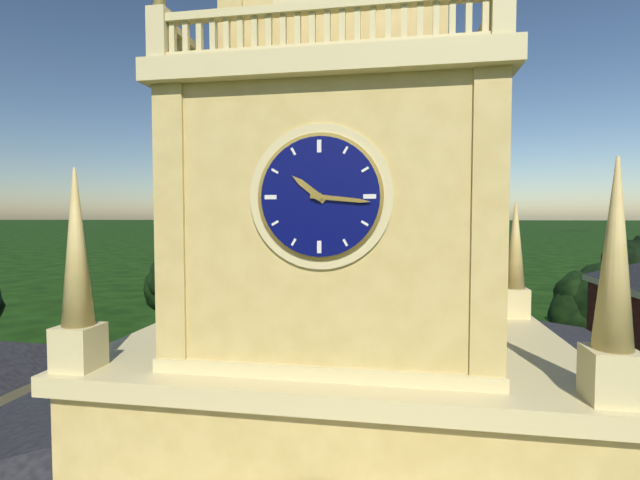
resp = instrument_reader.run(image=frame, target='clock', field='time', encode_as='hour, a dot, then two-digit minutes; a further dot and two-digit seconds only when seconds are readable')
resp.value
10.16
